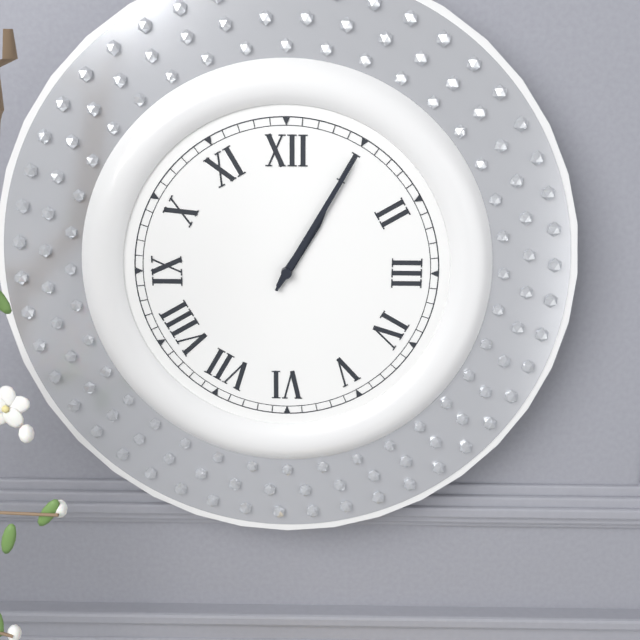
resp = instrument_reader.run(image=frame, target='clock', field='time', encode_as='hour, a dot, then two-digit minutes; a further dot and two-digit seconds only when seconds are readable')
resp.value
1.05
